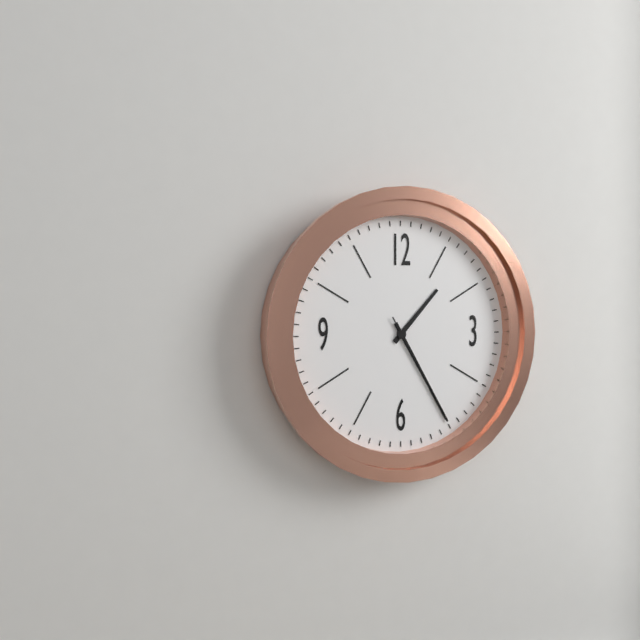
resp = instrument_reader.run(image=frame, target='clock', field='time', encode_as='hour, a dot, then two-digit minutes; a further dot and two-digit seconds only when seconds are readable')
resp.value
1.25.25
